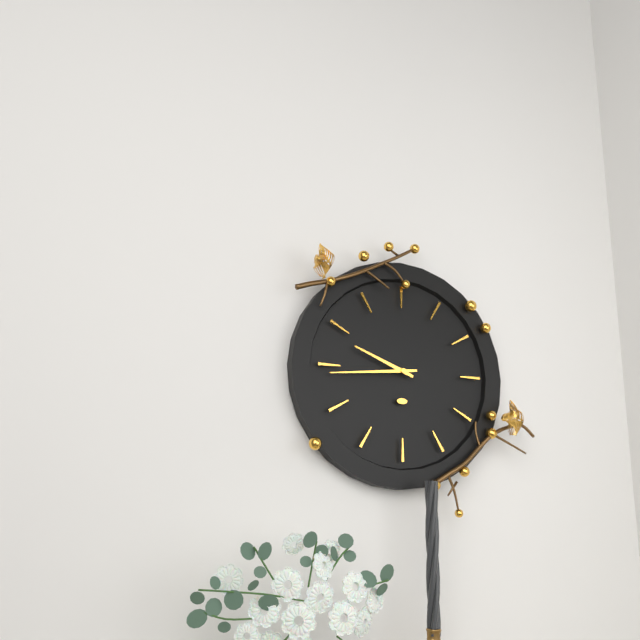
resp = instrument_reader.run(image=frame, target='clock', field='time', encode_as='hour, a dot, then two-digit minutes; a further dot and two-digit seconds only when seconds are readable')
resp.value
9.44
